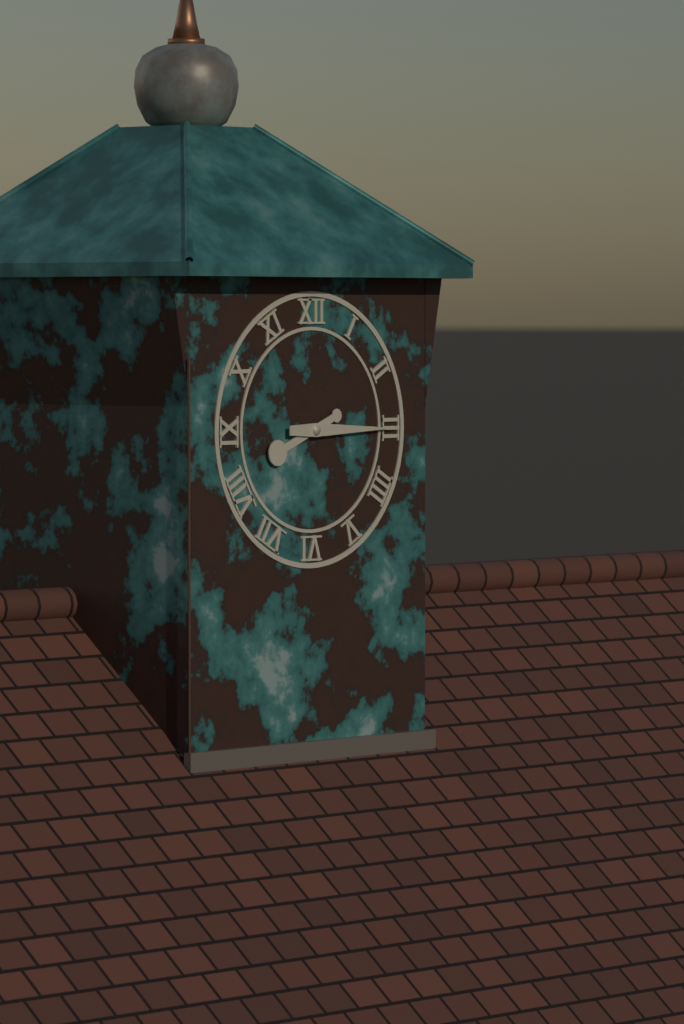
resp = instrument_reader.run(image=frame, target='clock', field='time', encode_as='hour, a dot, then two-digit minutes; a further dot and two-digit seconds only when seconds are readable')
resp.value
8.15
